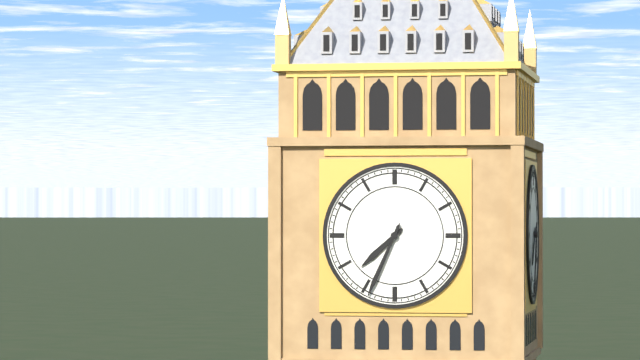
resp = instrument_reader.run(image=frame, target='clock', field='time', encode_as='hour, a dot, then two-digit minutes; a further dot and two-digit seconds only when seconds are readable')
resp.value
7.34
